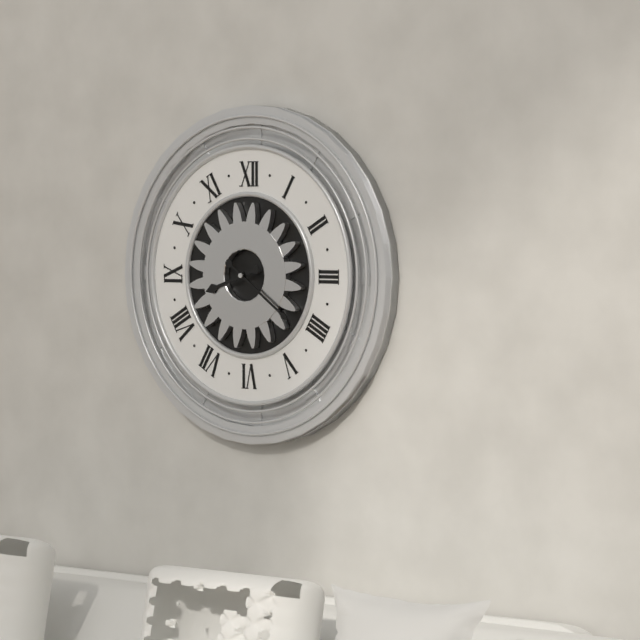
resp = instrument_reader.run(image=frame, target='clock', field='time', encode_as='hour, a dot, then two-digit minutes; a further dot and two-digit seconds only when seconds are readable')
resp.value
8.21
